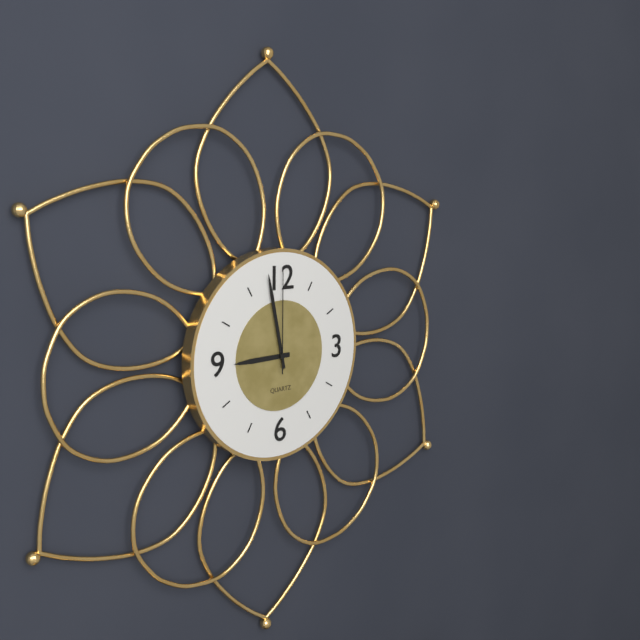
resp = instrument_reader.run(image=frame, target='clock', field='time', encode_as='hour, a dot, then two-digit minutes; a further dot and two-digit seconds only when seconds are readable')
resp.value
8.58.00
